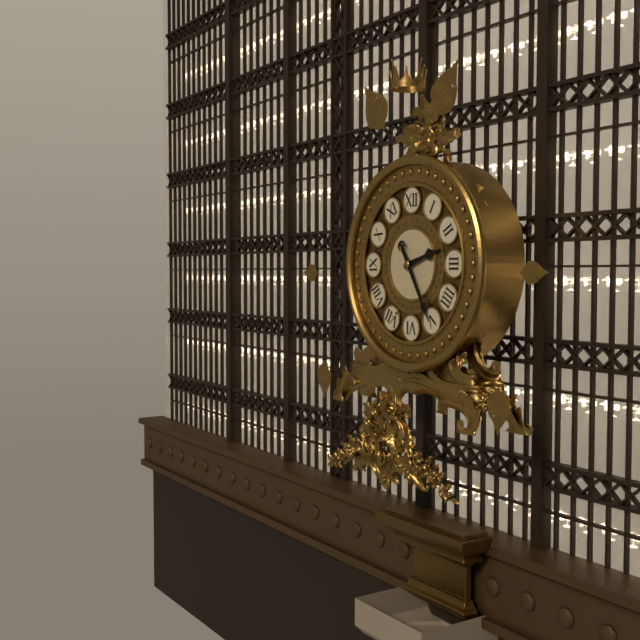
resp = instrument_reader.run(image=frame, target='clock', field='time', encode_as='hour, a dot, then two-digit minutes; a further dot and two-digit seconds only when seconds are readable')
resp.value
2.25
